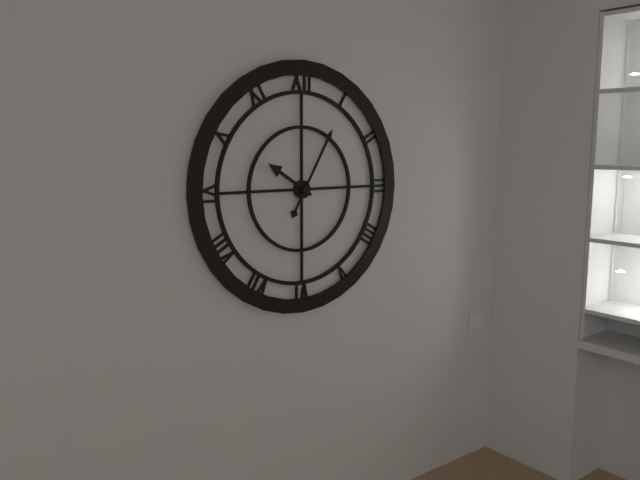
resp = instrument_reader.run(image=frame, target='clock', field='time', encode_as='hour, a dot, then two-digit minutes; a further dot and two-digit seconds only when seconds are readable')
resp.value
10.05
